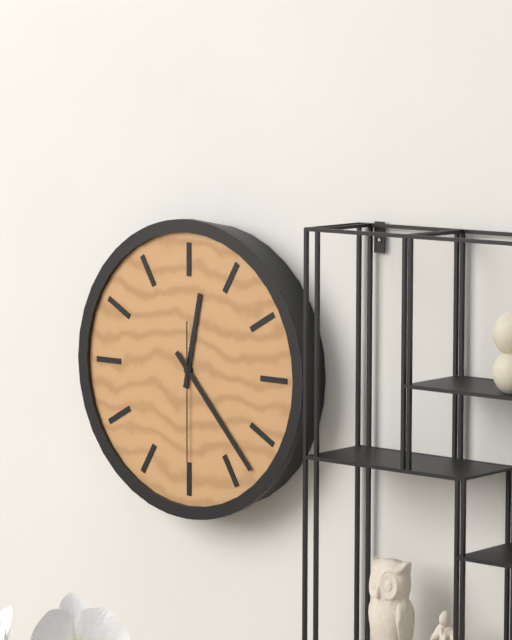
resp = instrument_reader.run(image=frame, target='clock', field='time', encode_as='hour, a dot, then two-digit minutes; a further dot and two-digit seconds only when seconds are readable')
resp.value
12.23.30
